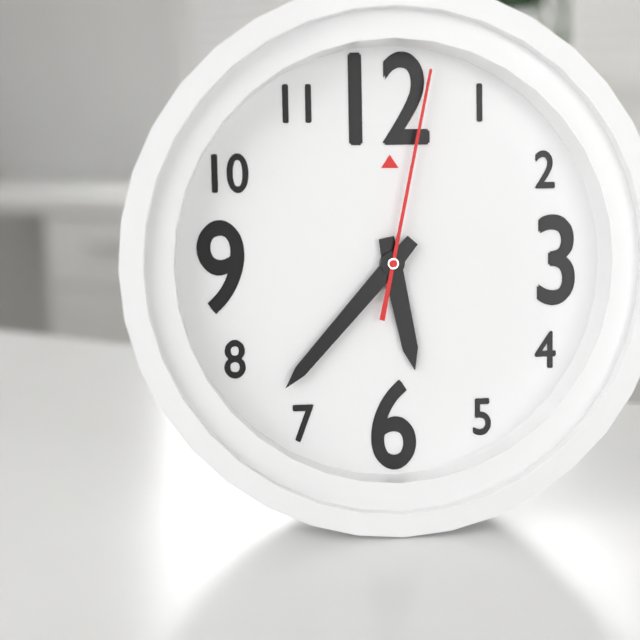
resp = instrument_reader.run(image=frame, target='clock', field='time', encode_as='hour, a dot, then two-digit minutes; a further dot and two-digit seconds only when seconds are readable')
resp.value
5.37.02
